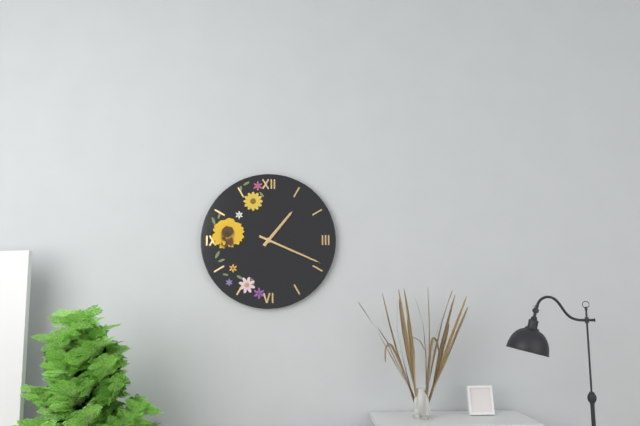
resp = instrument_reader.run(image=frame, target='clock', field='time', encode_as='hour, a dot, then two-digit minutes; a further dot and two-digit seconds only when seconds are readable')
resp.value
1.19
